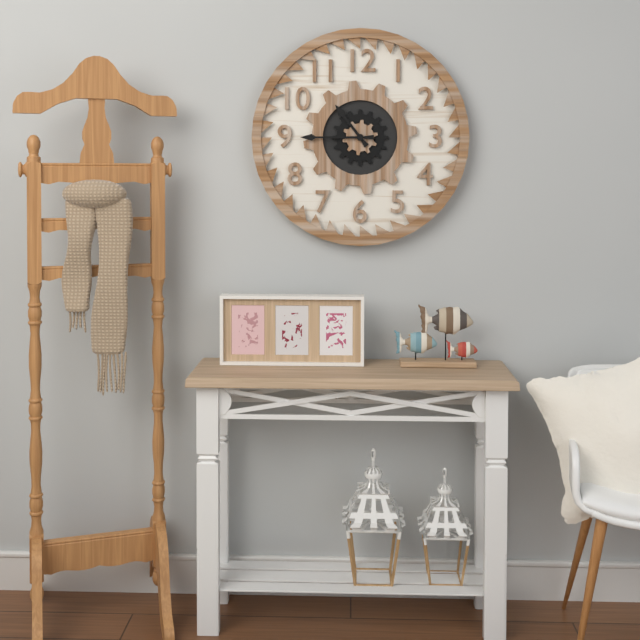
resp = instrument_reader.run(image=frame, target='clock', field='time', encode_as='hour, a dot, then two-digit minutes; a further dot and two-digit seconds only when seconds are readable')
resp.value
10.45
